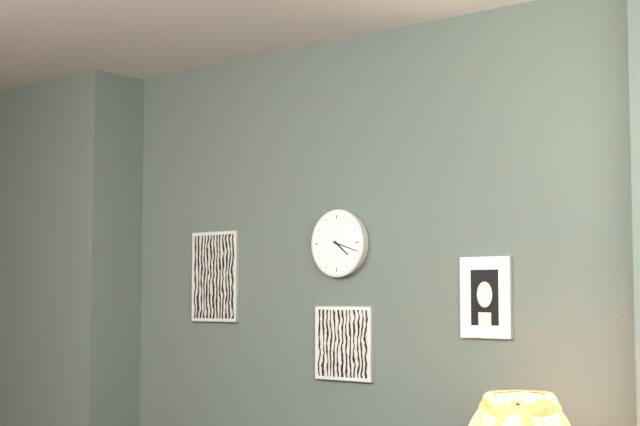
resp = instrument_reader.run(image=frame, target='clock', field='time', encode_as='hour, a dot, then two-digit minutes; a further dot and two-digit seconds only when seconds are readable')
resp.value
4.18
